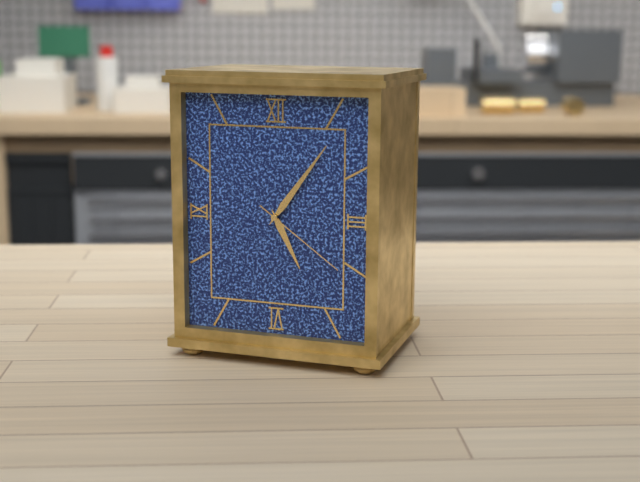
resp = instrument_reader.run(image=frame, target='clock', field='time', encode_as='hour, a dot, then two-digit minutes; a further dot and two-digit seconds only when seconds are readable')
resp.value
5.06.21
